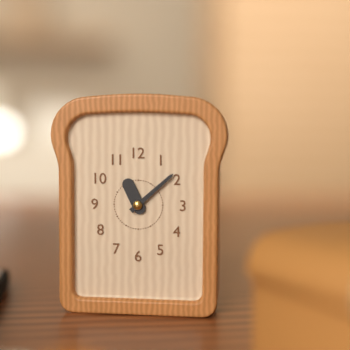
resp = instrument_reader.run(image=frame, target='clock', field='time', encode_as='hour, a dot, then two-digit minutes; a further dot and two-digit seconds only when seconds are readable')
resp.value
11.08
